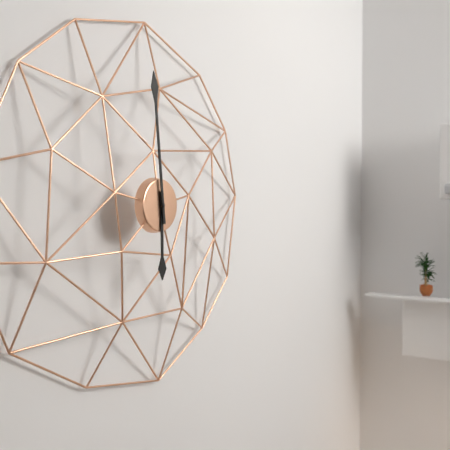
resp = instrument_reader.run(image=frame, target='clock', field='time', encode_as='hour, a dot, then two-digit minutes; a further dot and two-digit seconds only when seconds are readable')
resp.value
5.59
